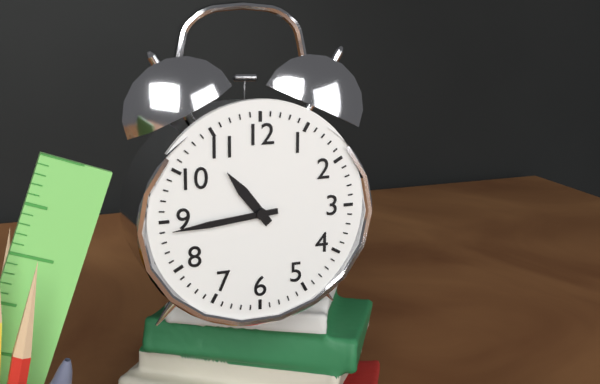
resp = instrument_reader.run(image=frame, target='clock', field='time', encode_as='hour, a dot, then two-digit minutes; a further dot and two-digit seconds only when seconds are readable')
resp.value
10.44
